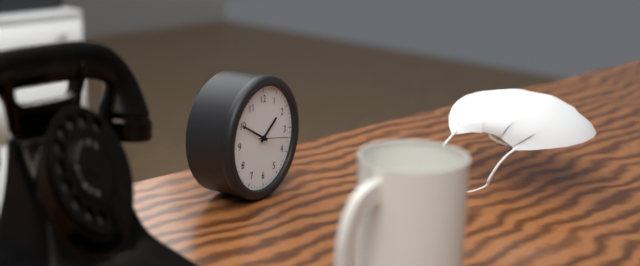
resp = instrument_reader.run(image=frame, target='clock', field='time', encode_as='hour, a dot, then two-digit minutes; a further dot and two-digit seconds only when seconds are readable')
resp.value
1.50
